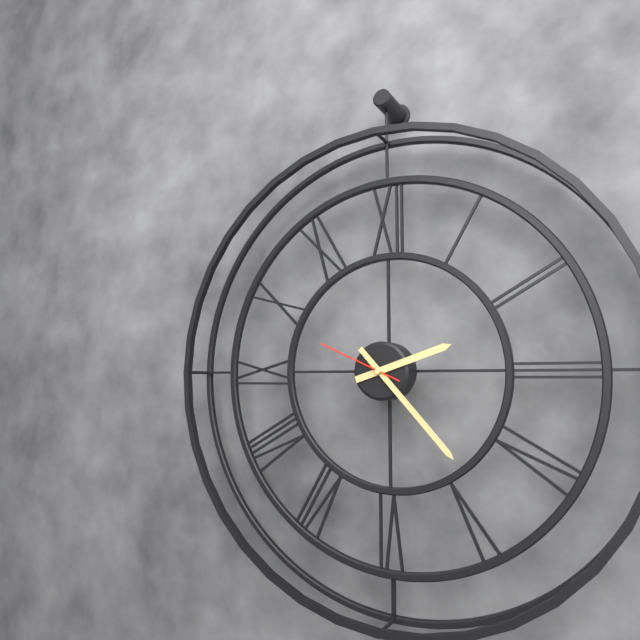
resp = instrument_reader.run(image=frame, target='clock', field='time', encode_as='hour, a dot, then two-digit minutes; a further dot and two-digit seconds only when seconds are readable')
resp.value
2.23.49
